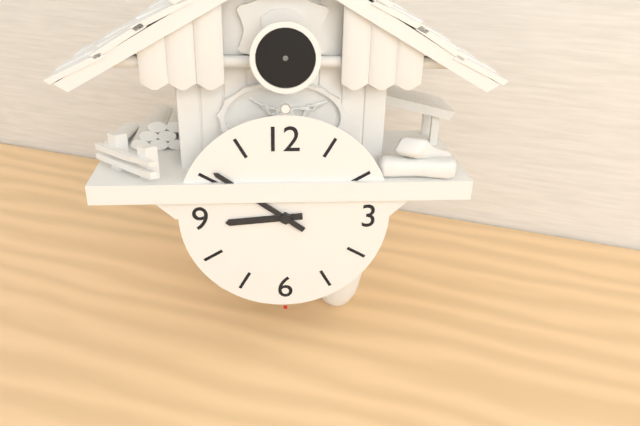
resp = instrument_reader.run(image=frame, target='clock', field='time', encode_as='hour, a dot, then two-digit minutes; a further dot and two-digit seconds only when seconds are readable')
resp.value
8.51
